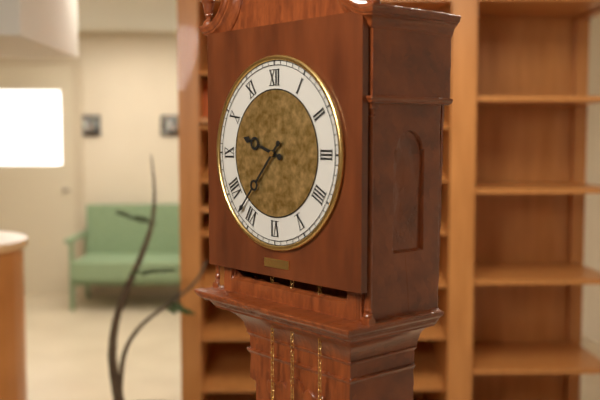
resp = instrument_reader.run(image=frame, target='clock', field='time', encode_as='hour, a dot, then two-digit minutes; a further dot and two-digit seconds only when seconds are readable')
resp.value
9.37
